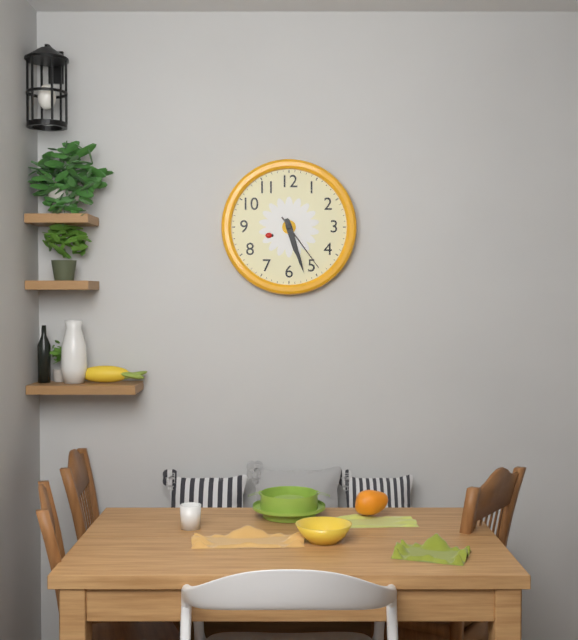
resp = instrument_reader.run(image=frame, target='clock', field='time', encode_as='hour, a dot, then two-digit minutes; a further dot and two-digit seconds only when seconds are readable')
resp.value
5.27.24
